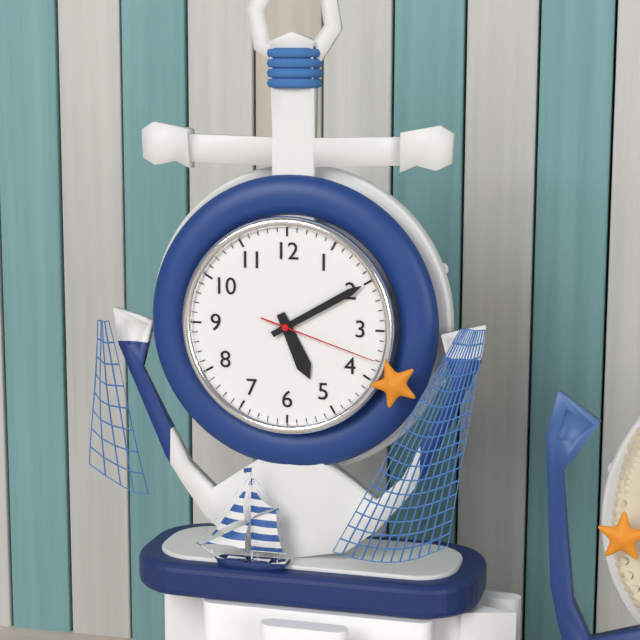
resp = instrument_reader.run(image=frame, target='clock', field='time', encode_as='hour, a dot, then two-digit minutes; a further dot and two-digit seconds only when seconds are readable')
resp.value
5.10.18
